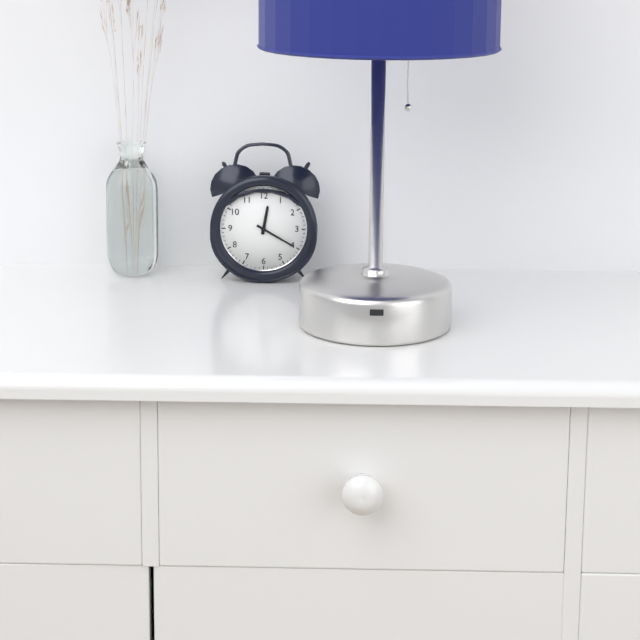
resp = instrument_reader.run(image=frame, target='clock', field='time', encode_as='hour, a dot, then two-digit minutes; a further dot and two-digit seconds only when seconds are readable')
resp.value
12.20
